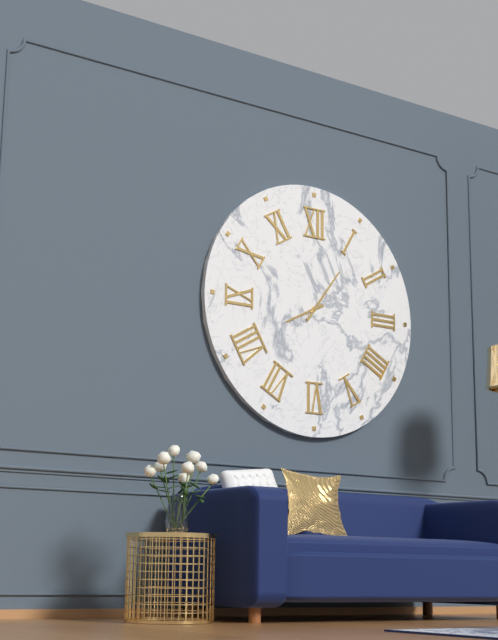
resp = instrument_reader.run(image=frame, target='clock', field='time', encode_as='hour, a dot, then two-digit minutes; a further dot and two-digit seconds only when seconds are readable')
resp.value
8.06
